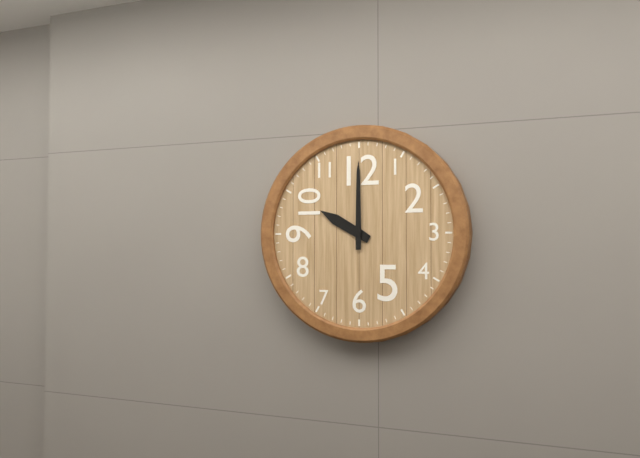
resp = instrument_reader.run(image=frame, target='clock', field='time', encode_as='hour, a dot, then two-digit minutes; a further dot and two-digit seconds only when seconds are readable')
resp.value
10.00
